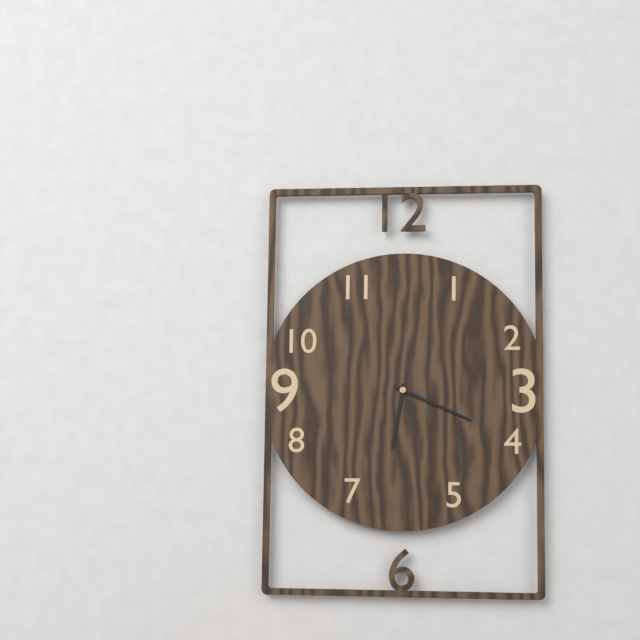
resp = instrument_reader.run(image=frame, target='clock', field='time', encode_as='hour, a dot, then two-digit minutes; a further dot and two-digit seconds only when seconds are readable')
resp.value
6.19
